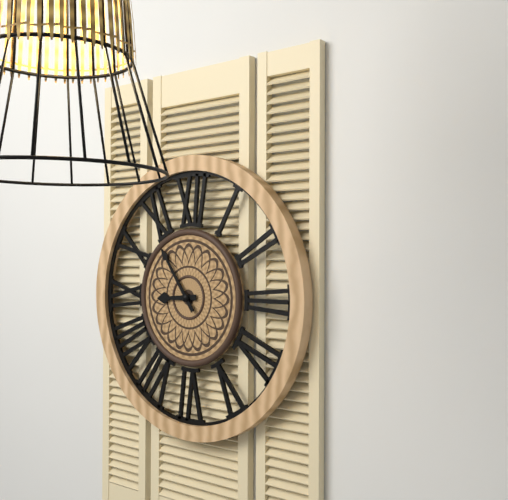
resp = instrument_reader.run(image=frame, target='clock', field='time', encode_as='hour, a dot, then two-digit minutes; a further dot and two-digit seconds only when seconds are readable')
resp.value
8.54
